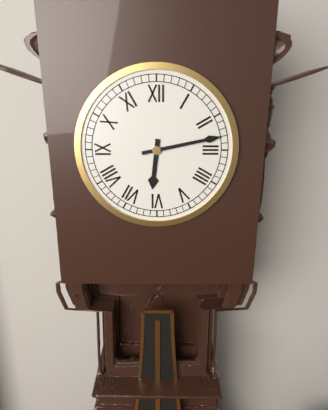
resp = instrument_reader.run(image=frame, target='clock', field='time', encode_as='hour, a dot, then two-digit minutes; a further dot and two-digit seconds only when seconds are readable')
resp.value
6.13
